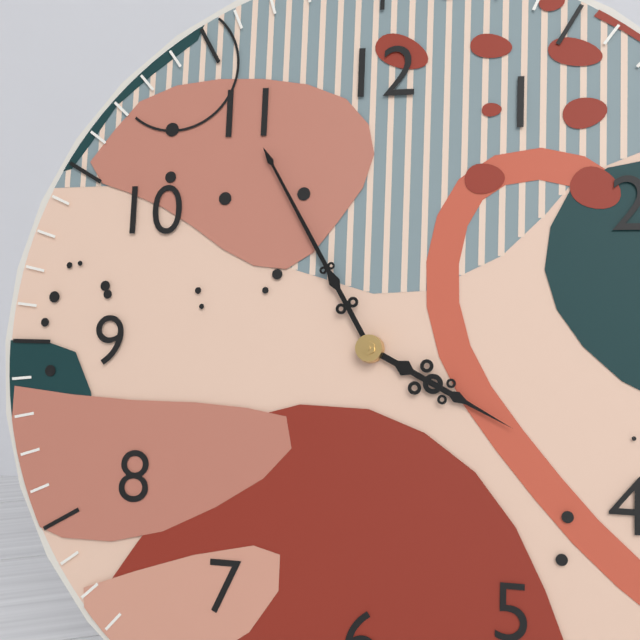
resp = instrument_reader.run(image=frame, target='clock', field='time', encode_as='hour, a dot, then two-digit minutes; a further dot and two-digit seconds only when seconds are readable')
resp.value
3.55
